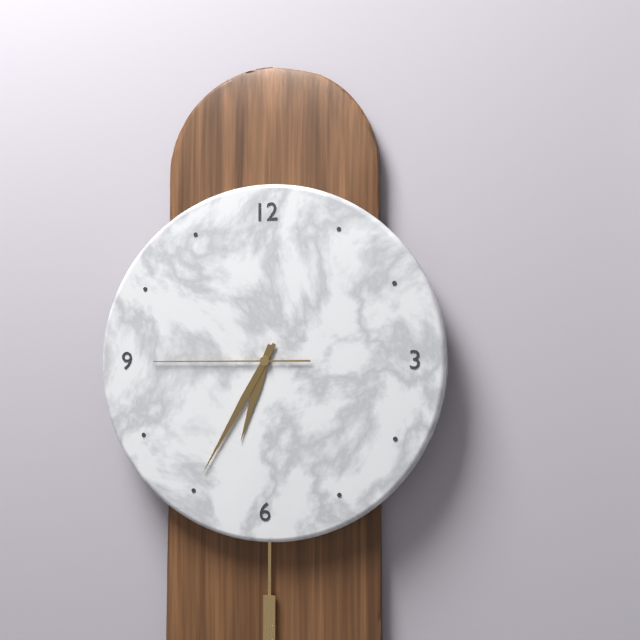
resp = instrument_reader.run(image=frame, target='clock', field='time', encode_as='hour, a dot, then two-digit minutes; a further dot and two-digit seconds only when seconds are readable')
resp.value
6.35.45
